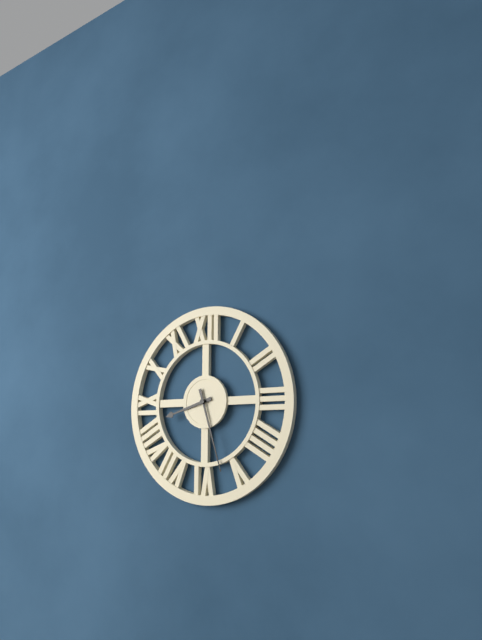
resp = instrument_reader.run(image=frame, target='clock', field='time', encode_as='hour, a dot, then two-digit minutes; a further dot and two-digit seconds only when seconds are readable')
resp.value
8.27
